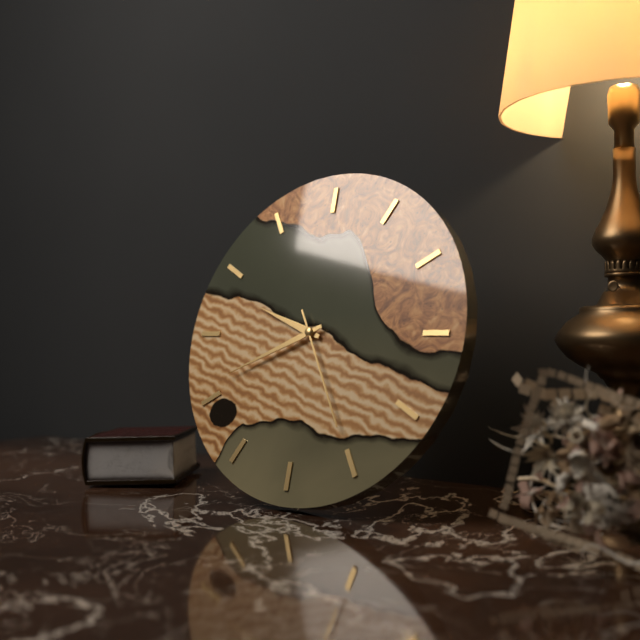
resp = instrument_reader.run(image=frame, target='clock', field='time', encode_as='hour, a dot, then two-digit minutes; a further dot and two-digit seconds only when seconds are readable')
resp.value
9.41.25
